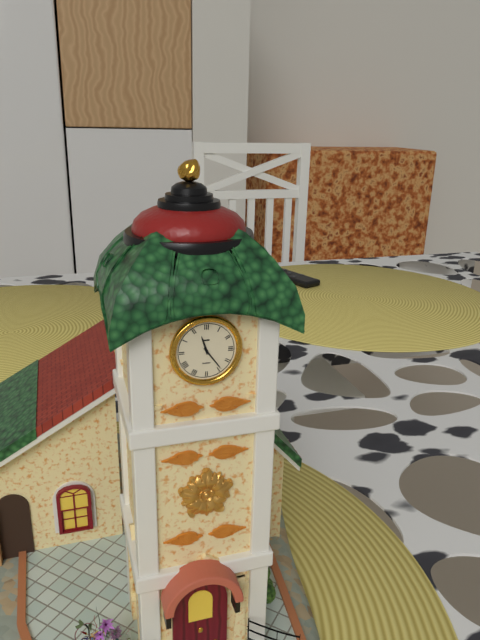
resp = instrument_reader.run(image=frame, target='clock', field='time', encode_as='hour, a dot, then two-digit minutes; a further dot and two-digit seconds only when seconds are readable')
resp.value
11.24
